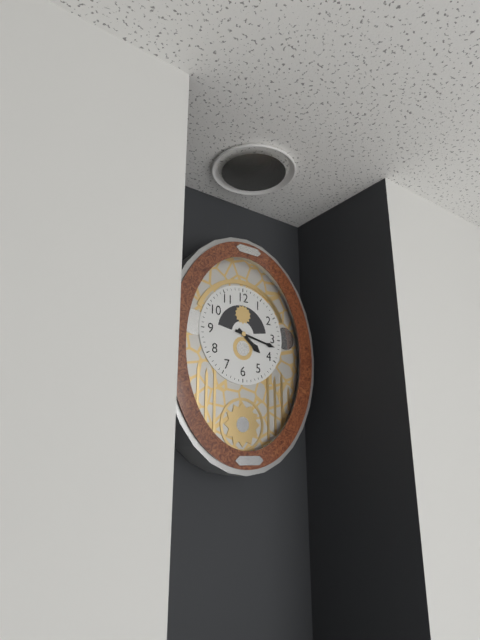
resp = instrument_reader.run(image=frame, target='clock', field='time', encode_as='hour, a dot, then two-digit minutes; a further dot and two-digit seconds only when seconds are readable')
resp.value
4.17
